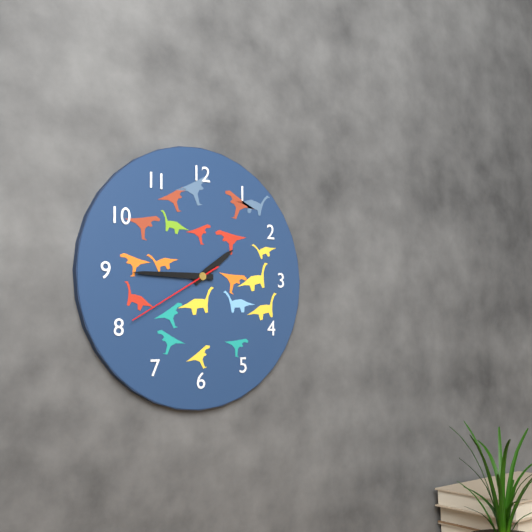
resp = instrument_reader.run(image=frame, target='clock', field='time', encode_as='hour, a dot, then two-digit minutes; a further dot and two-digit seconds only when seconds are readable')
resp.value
1.45.40
